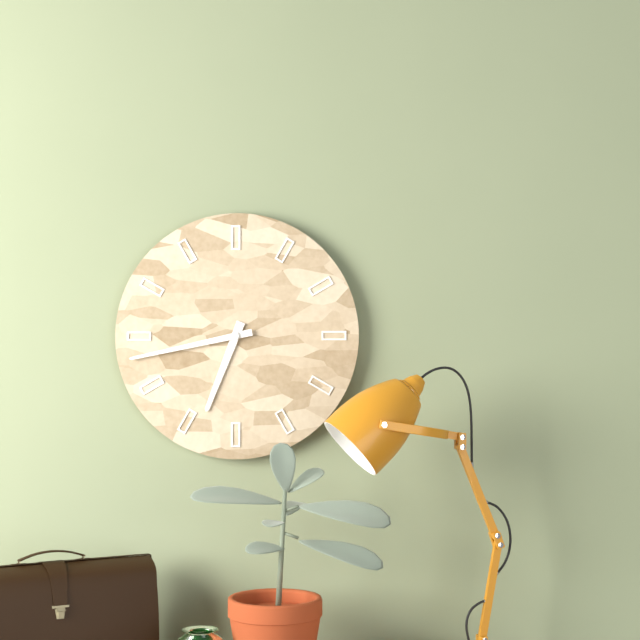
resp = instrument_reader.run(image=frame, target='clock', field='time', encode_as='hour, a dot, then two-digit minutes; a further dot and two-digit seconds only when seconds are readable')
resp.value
6.43
